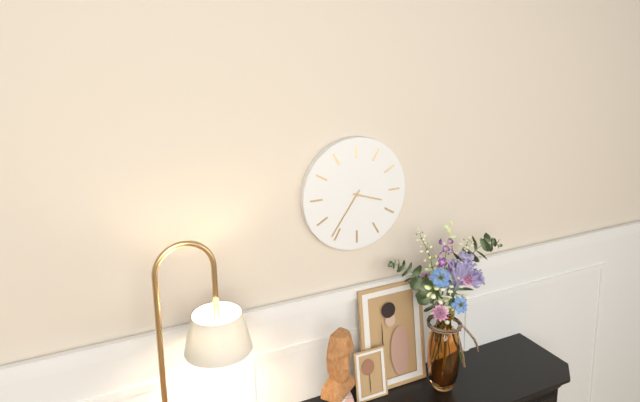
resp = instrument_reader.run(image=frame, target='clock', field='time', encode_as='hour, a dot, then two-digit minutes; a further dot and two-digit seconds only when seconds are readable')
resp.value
3.36
